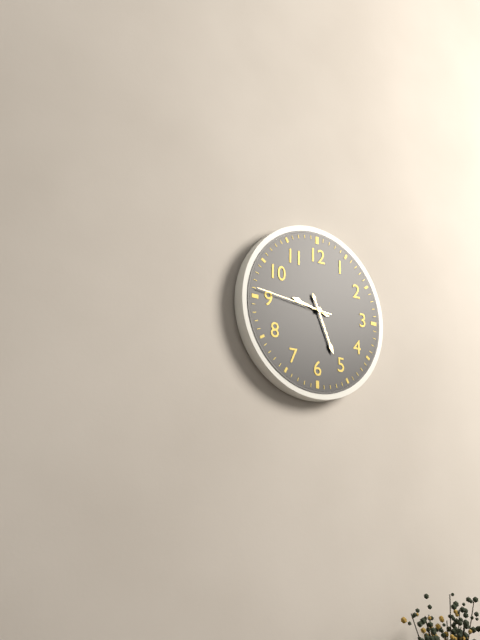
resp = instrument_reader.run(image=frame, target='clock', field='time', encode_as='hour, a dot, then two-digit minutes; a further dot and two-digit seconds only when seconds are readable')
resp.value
9.26.46
